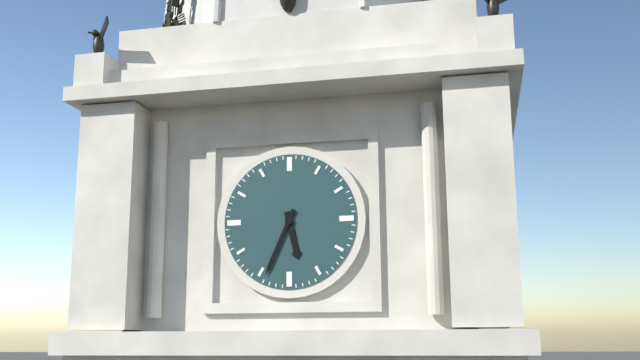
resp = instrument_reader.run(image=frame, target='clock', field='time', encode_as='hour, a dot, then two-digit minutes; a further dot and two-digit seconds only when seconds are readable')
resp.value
5.34
